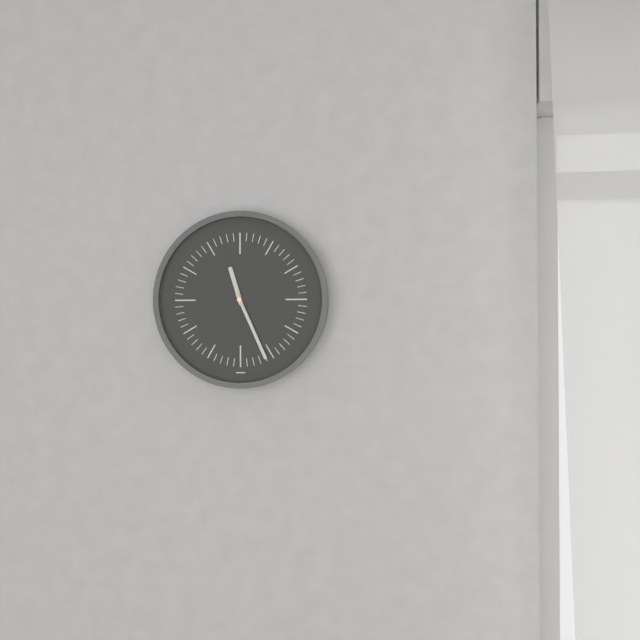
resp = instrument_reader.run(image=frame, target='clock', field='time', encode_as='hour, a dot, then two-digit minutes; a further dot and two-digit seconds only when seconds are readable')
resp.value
11.26
